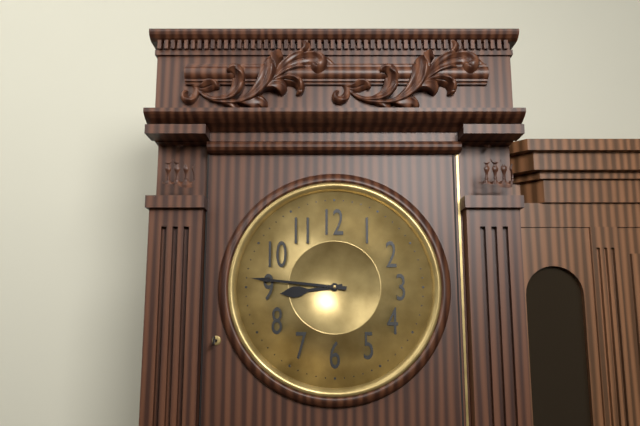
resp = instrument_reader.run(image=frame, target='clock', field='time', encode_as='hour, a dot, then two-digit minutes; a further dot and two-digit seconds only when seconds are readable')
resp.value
8.46
